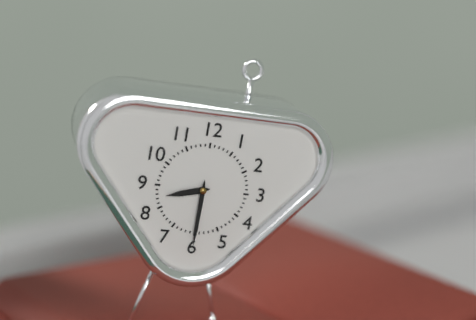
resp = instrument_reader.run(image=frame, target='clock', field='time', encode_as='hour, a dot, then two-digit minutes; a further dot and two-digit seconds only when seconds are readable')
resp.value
8.30
